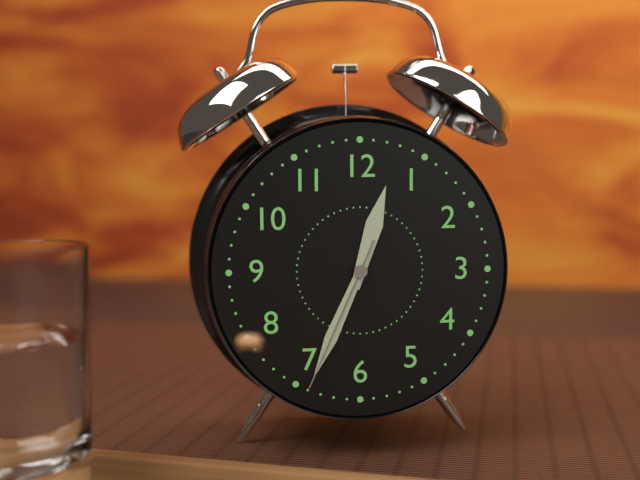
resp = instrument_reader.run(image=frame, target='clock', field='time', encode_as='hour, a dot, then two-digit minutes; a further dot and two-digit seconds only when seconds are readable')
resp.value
12.34.34
